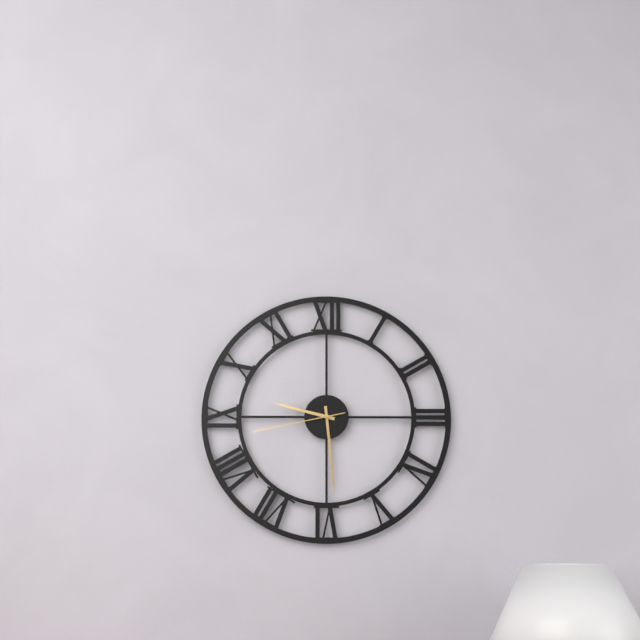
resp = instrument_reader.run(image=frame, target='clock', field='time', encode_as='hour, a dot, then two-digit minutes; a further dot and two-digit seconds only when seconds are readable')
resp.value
9.29.43
